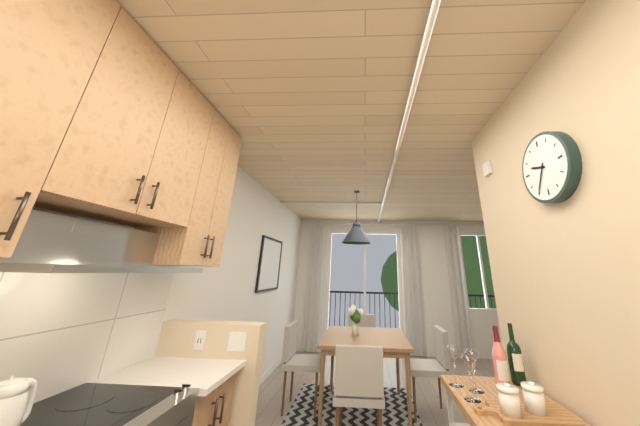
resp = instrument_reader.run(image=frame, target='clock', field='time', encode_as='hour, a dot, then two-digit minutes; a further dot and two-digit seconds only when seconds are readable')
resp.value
9.35
